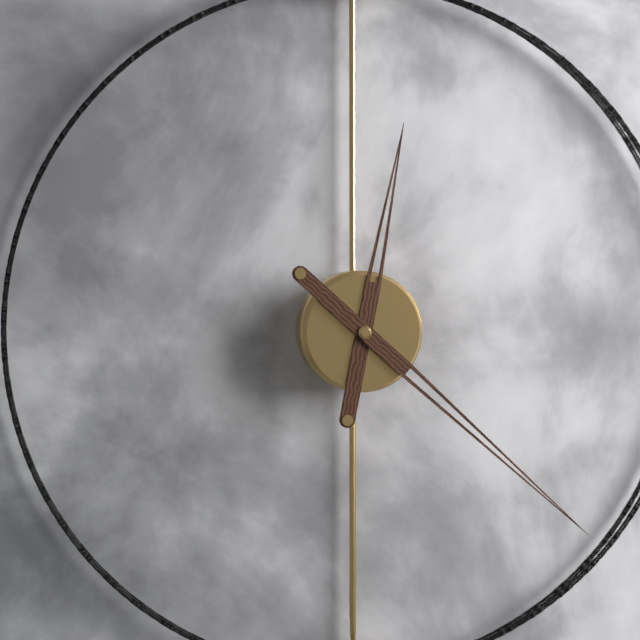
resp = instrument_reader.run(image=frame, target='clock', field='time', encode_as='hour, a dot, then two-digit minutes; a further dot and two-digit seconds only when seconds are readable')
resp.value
12.22
